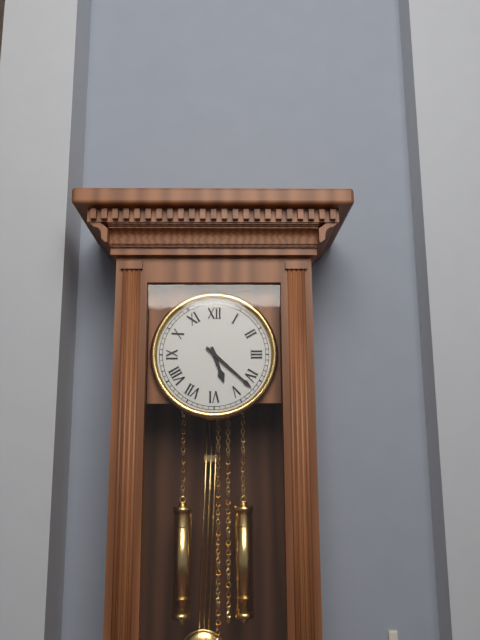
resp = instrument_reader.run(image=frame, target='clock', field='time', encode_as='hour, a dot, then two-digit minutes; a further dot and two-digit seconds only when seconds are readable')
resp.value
5.22
